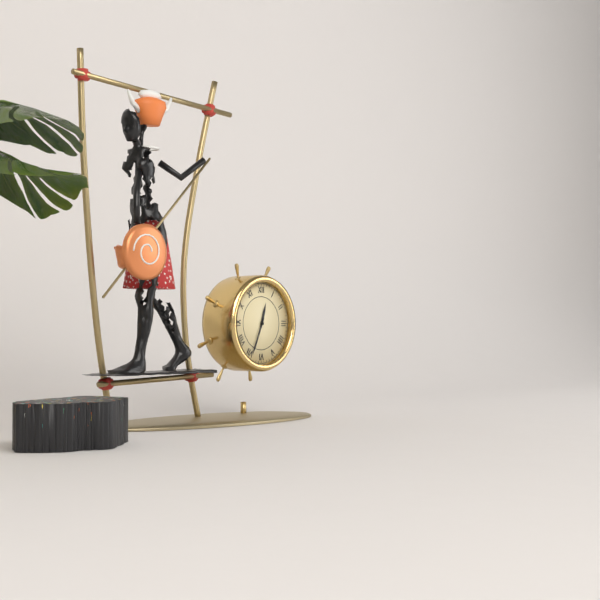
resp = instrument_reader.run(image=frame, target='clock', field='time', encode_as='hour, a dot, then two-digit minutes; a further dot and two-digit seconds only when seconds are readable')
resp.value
12.34
